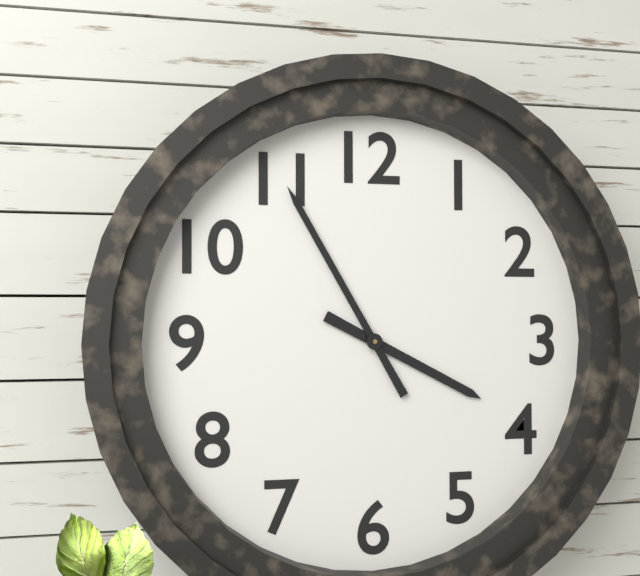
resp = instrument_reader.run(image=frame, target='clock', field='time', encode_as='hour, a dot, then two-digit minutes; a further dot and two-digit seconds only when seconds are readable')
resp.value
3.55
